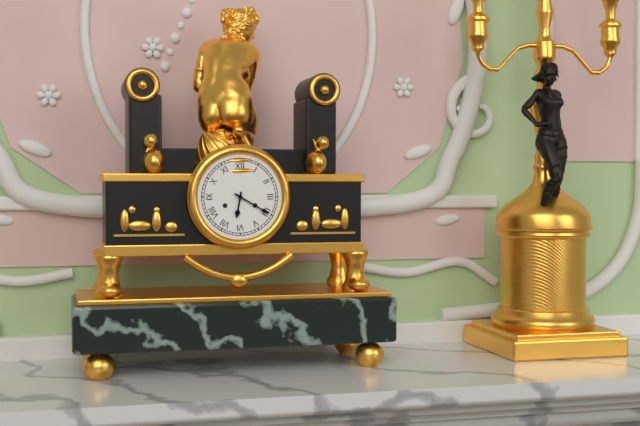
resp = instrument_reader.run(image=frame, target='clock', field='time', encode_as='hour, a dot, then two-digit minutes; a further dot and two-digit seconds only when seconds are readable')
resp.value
6.20
